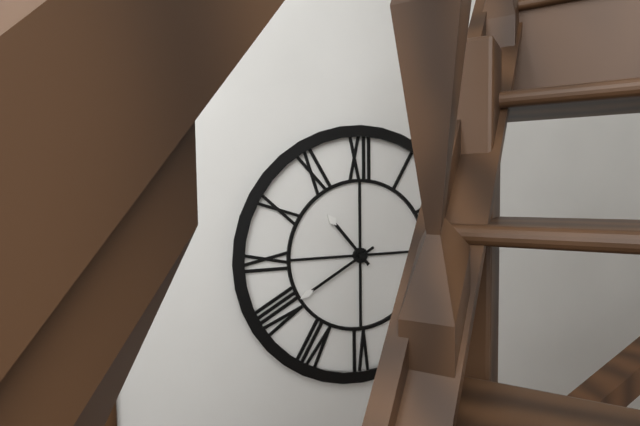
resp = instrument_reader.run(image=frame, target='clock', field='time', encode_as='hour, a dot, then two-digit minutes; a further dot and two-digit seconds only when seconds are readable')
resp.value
10.40
